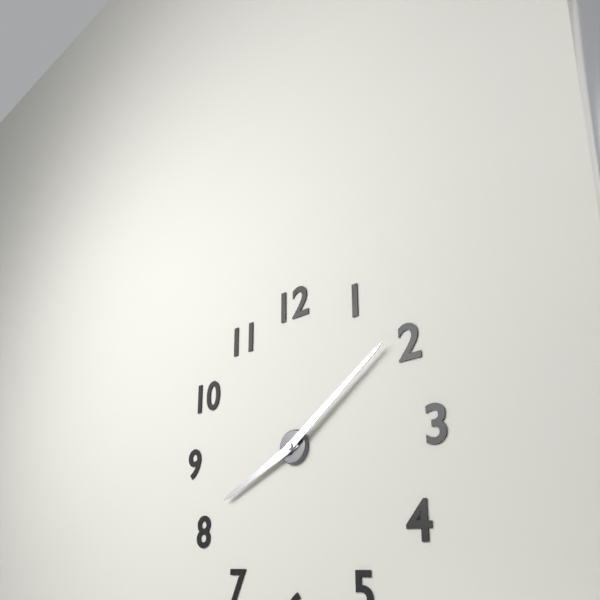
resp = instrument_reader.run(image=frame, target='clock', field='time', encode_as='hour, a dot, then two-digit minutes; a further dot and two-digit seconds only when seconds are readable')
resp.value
8.09
